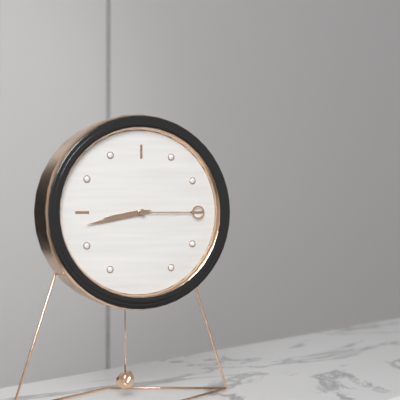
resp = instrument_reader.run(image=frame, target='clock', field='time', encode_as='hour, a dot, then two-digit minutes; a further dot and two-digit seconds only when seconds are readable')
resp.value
8.43.15
